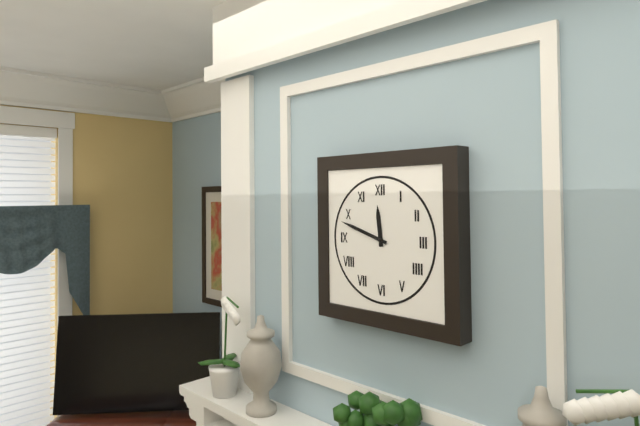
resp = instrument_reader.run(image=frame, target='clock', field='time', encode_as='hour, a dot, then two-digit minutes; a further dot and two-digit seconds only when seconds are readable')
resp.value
11.48
